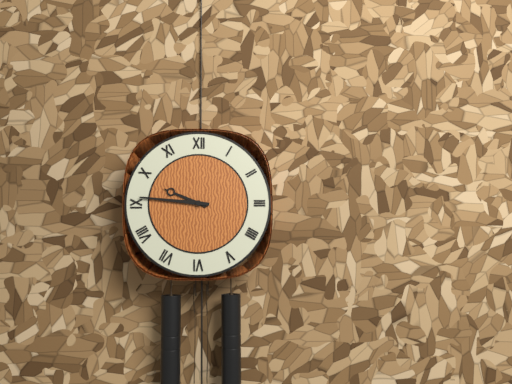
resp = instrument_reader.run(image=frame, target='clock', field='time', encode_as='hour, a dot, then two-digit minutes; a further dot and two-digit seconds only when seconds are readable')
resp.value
9.46
